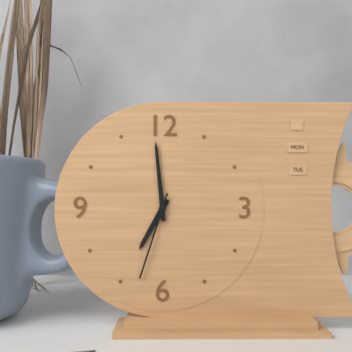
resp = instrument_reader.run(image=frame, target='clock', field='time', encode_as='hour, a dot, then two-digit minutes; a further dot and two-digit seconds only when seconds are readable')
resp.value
6.59.33
